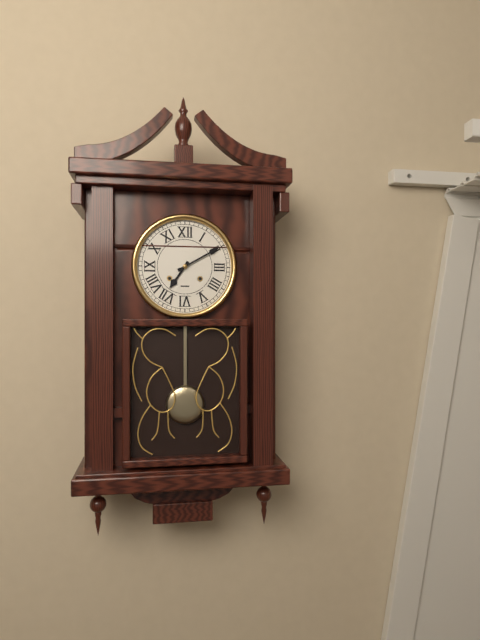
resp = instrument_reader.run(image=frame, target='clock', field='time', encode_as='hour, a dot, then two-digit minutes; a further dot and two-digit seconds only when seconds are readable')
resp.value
7.10
